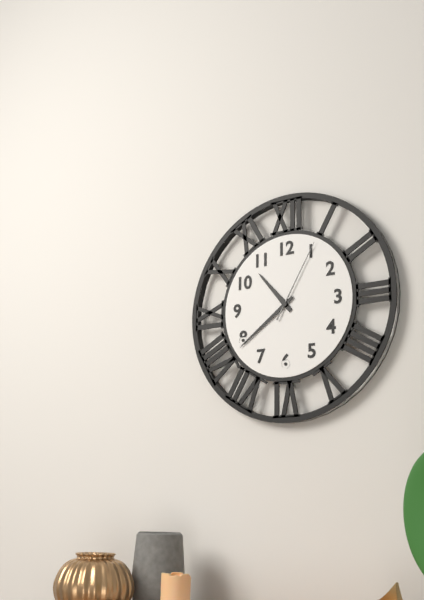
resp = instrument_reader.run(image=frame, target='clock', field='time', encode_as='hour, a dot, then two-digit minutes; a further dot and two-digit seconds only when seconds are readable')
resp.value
10.39.05
